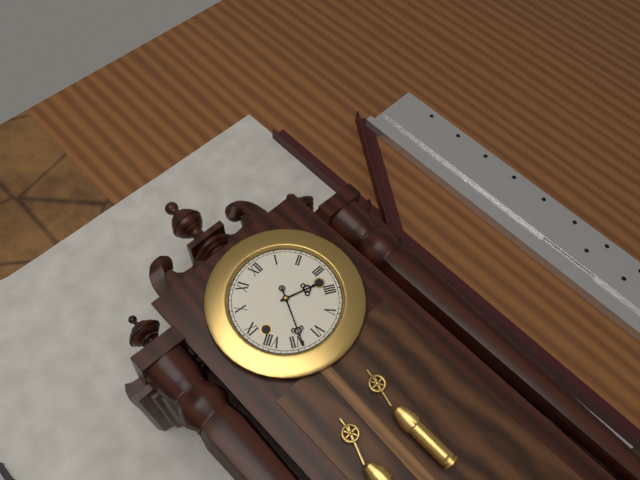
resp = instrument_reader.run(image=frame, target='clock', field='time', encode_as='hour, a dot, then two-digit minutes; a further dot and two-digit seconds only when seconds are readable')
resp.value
3.34
